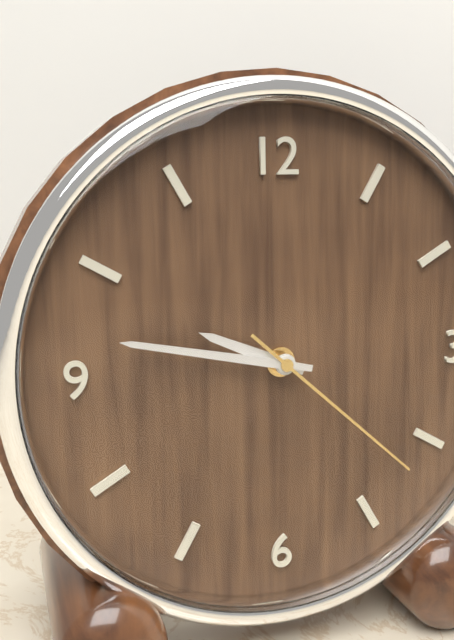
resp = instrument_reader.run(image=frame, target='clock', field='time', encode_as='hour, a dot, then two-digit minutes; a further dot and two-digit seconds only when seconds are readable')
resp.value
9.47.22
